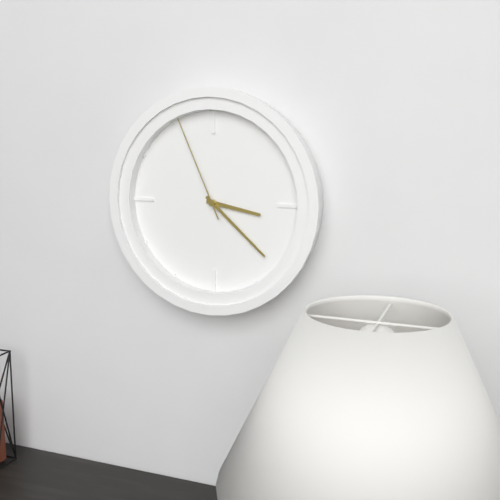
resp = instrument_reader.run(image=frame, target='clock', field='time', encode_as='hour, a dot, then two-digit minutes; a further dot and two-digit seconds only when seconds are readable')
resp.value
3.22.56
